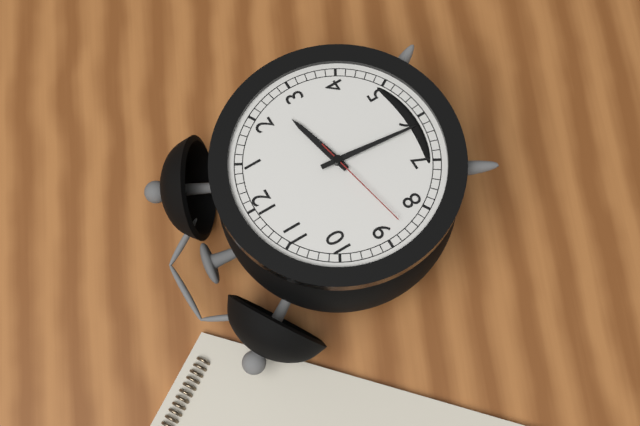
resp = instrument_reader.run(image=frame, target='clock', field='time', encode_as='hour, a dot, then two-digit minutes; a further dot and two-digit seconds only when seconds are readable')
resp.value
2.31.43
